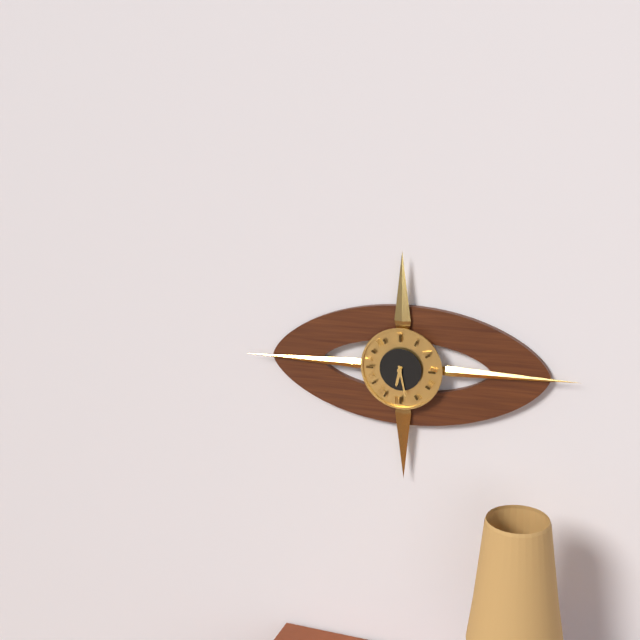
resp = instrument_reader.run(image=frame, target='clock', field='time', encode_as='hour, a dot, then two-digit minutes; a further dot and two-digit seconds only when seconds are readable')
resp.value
6.28
